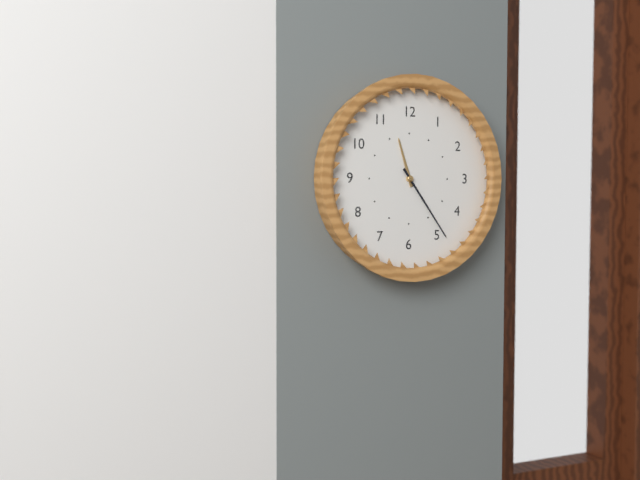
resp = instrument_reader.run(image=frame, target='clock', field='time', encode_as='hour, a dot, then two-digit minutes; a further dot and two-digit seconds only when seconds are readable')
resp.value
11.24
